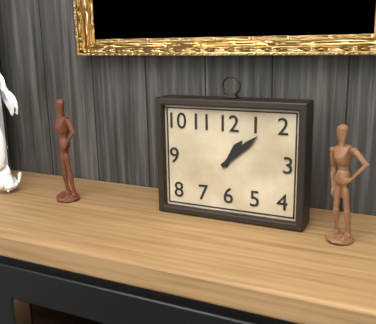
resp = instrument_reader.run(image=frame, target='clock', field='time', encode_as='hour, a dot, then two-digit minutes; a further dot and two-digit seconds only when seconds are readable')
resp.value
1.08
